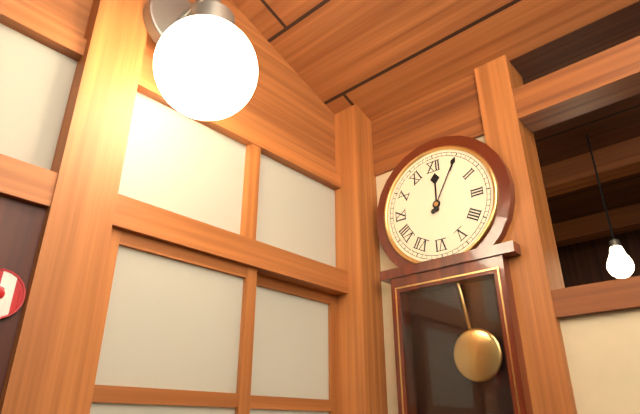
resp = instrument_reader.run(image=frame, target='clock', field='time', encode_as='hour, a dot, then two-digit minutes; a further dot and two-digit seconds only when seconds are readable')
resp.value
12.05
